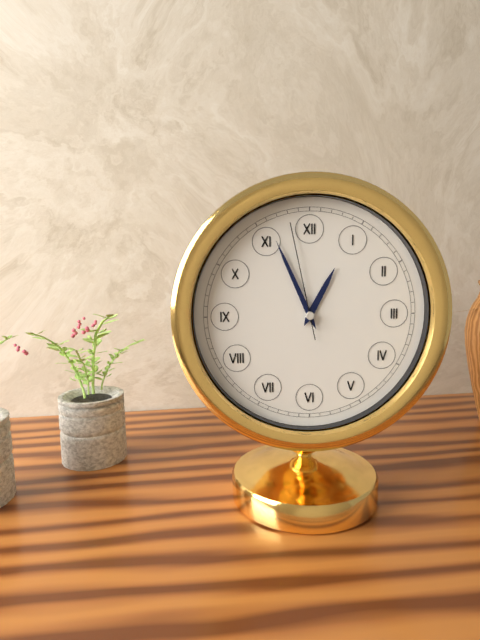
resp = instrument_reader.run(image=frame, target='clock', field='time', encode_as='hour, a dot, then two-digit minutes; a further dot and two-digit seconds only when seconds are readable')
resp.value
12.56.58
